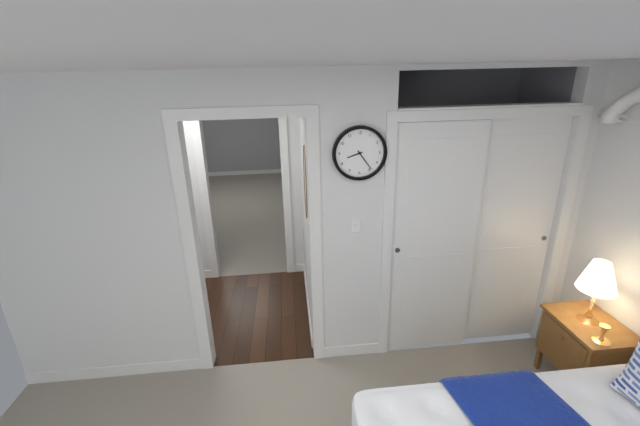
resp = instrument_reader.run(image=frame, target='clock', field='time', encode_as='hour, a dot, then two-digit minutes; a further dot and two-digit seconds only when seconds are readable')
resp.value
8.24
